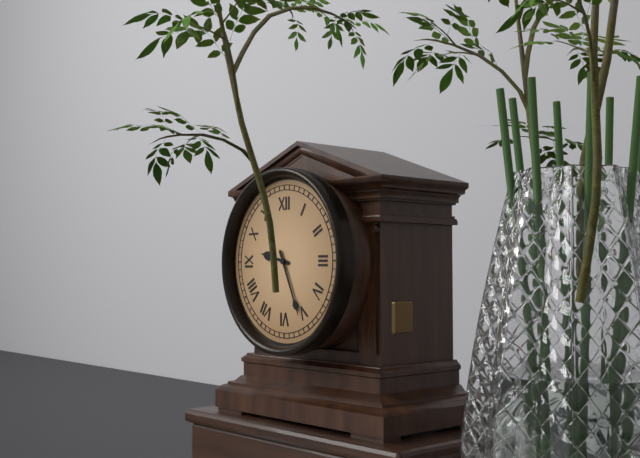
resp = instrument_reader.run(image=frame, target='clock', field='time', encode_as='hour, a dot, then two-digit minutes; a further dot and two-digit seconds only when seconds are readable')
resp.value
9.26
